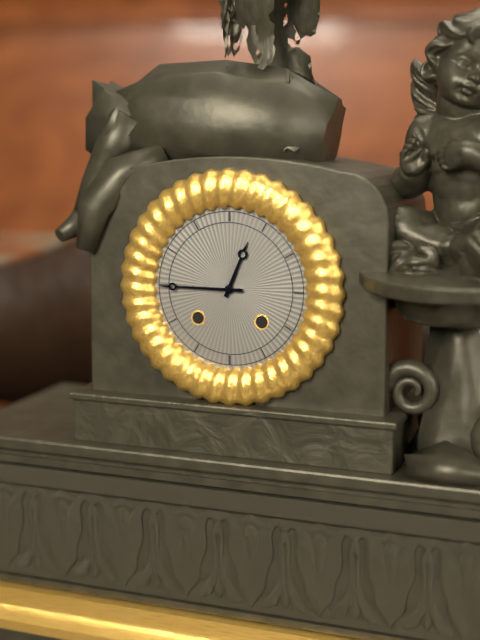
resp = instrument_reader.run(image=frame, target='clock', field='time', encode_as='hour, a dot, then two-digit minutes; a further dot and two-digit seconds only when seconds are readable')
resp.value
12.45
